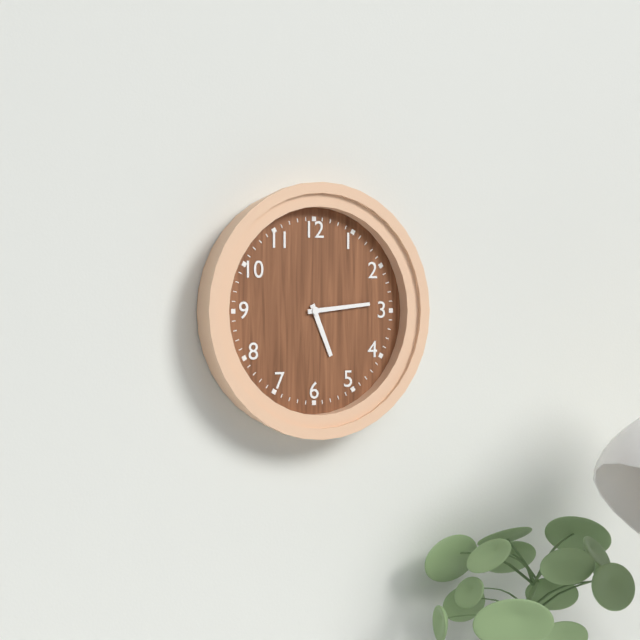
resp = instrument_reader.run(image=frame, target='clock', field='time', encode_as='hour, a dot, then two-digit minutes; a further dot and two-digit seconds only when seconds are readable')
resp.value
5.14
